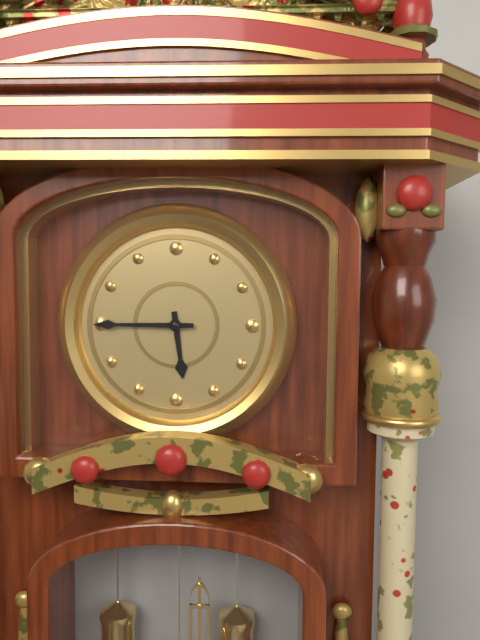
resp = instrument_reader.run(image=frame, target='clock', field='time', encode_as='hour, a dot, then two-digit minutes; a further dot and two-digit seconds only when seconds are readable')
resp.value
5.45
